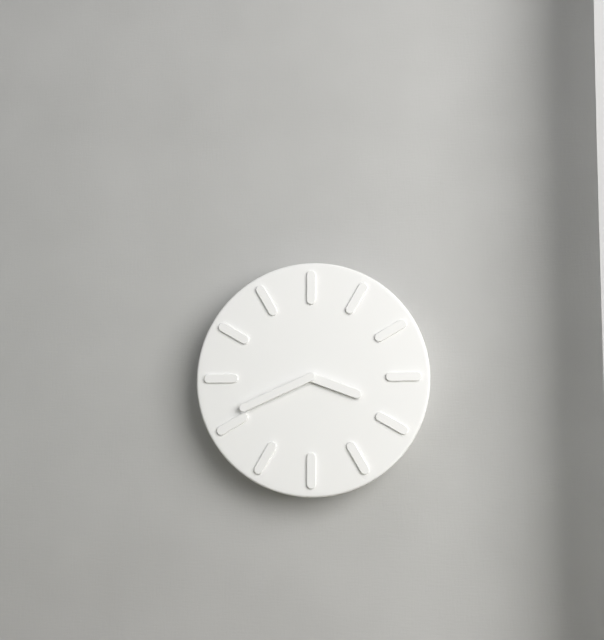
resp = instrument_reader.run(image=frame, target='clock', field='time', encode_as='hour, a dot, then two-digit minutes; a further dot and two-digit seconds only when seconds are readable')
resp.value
3.41
